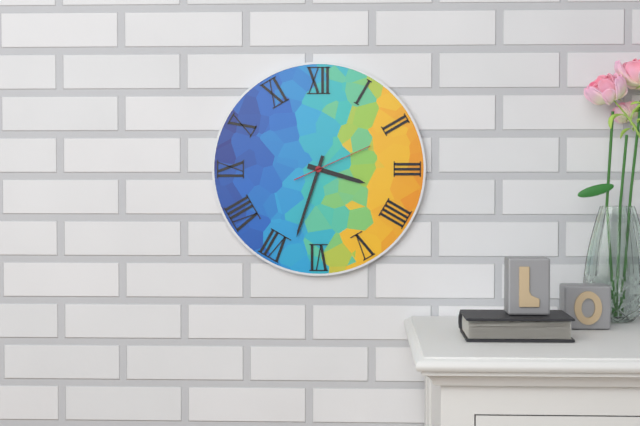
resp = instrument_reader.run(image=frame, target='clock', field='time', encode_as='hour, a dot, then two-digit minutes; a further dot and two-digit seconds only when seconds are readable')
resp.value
3.33.11
